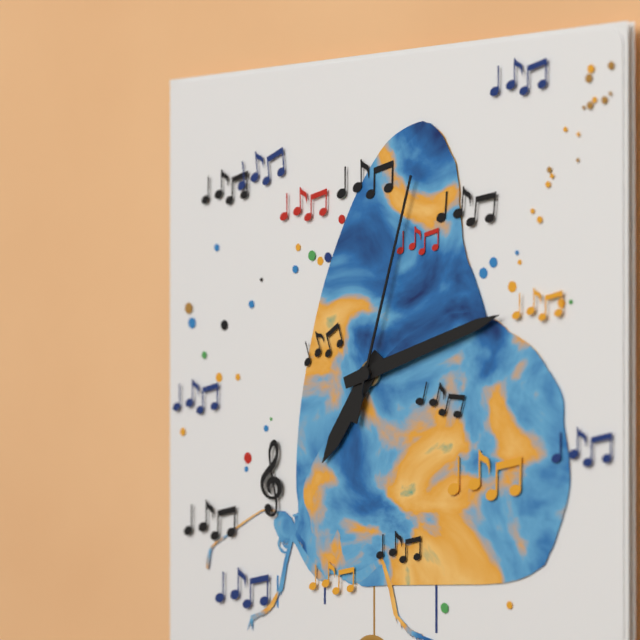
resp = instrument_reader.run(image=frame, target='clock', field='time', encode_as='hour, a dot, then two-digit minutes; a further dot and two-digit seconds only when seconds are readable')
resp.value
7.12.03
